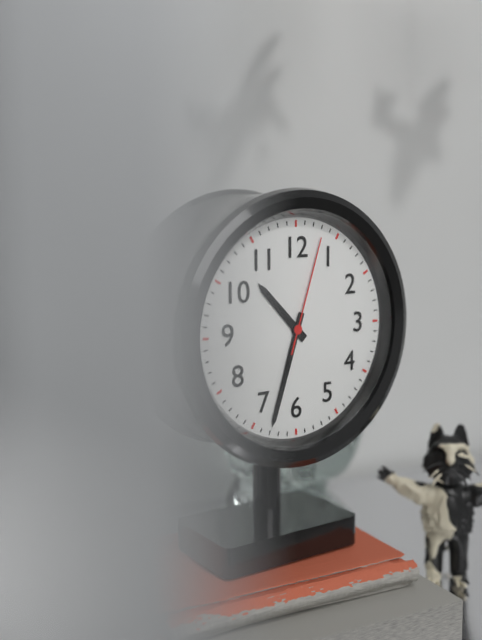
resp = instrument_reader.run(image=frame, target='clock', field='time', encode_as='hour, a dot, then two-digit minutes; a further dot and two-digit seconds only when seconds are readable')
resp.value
10.33.03
